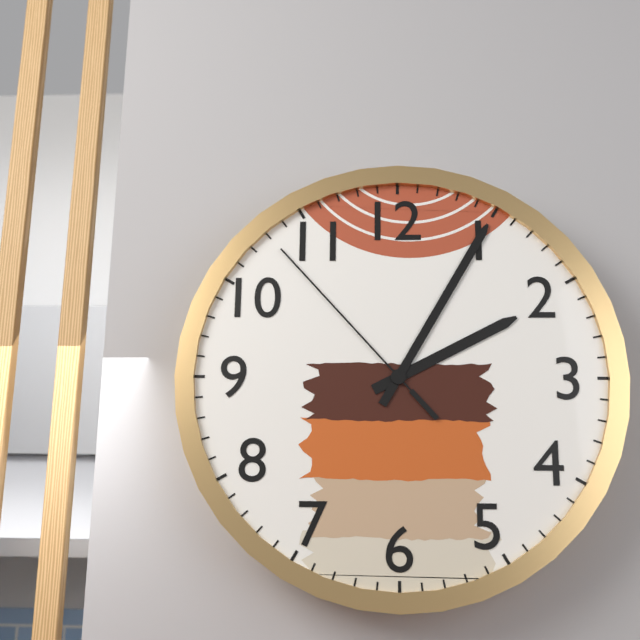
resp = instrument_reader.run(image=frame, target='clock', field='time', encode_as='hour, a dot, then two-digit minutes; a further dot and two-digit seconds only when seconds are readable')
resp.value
2.05.53
